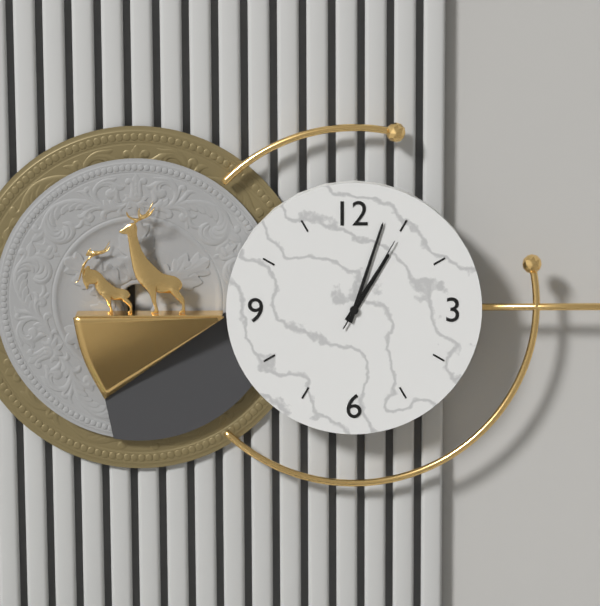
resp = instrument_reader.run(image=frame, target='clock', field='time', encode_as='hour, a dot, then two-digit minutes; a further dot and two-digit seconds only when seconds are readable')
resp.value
1.03.05
